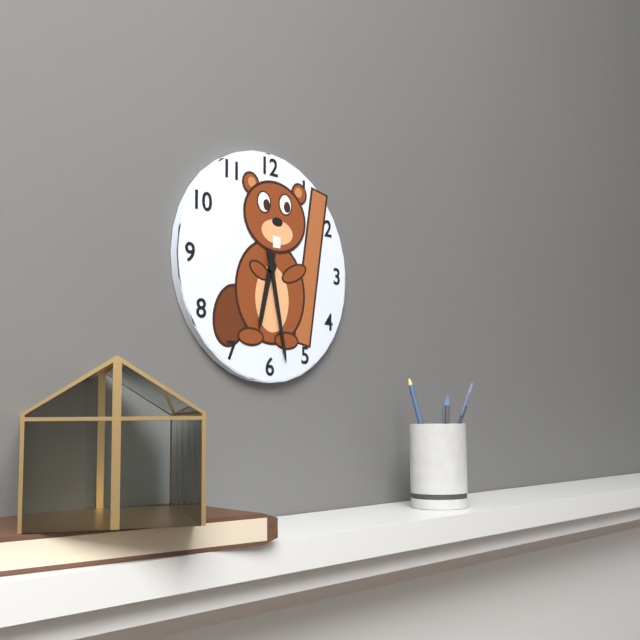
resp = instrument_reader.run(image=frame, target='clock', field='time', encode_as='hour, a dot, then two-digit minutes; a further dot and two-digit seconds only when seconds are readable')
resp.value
6.28
